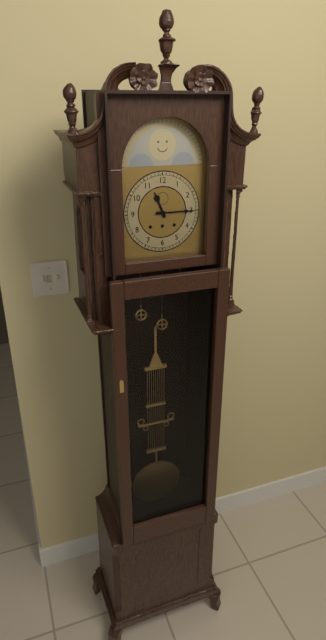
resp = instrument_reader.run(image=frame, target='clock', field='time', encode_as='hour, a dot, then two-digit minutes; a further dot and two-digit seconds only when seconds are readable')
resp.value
11.15
